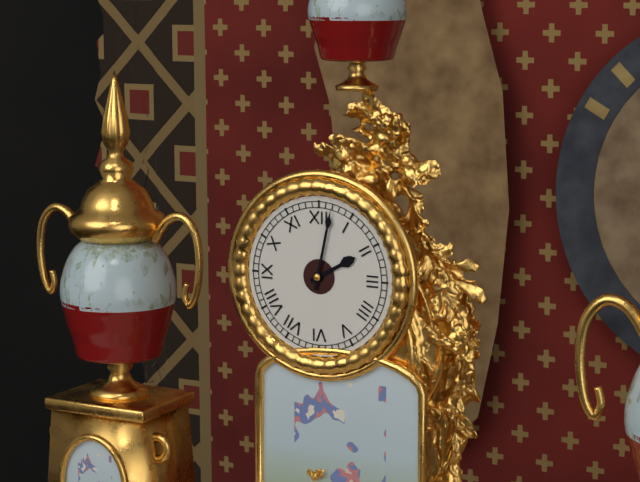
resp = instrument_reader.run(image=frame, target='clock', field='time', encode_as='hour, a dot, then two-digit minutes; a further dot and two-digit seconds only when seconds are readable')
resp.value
2.02
